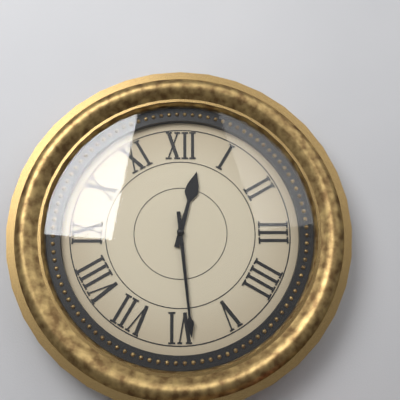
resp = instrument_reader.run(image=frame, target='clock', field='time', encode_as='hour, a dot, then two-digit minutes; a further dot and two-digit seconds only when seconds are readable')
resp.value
12.29
